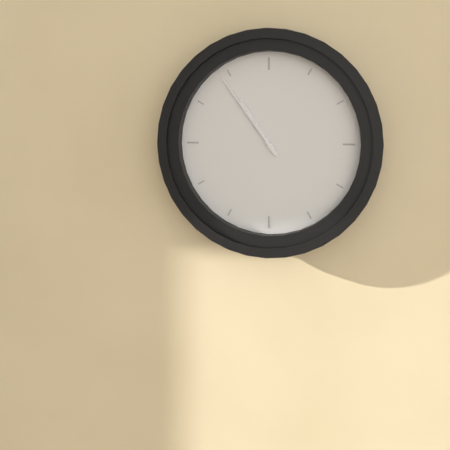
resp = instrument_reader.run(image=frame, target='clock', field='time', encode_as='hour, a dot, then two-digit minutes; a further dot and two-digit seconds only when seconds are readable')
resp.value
10.54
